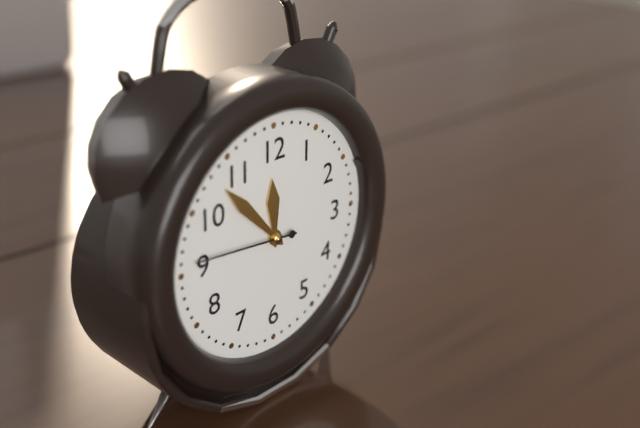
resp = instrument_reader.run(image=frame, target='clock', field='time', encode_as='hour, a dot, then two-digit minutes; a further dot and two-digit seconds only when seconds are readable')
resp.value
11.53.46
